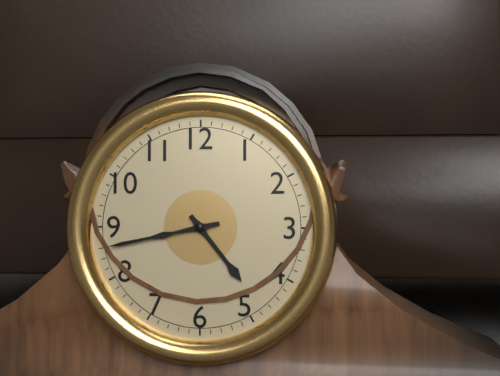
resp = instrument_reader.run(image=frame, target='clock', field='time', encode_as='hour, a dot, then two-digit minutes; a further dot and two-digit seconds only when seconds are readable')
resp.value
4.43
